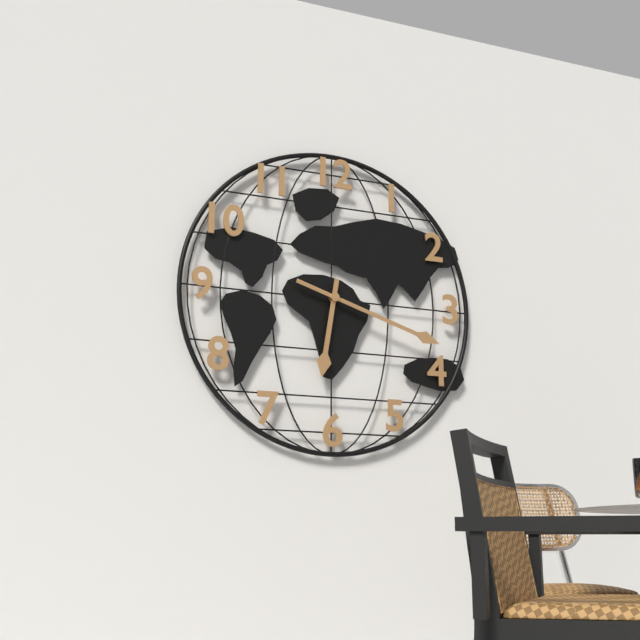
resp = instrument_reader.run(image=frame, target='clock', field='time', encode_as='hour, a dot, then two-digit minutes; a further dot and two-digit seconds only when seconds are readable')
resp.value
6.18
